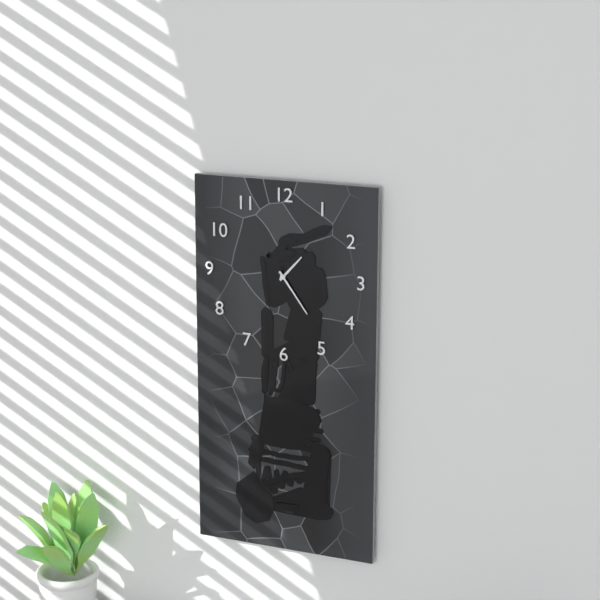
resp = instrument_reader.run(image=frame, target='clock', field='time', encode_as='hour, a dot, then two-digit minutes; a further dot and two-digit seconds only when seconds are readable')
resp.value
1.24
